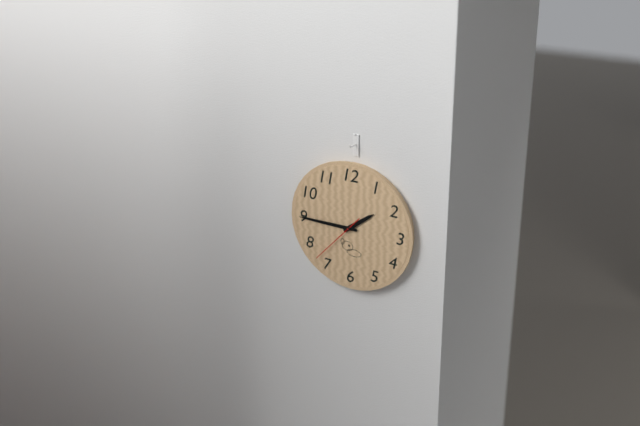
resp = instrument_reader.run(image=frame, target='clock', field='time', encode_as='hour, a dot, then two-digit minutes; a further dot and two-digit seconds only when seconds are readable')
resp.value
1.45.37
